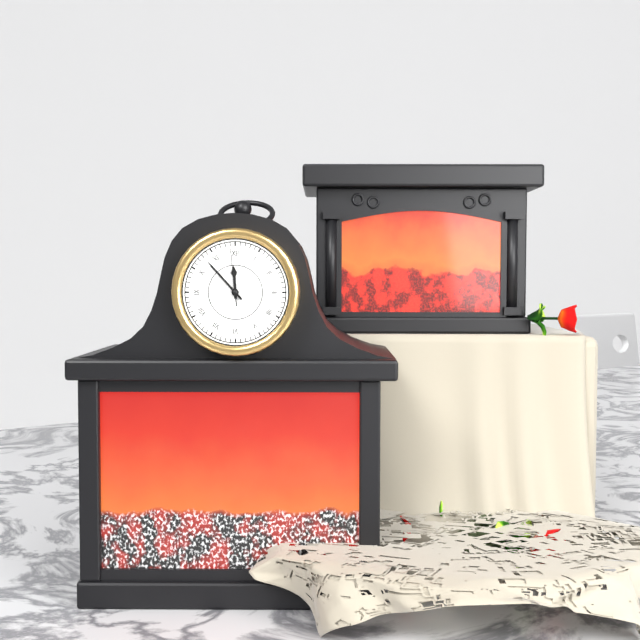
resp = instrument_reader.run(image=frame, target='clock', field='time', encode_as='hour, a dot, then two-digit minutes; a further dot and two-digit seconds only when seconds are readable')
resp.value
11.53.59
